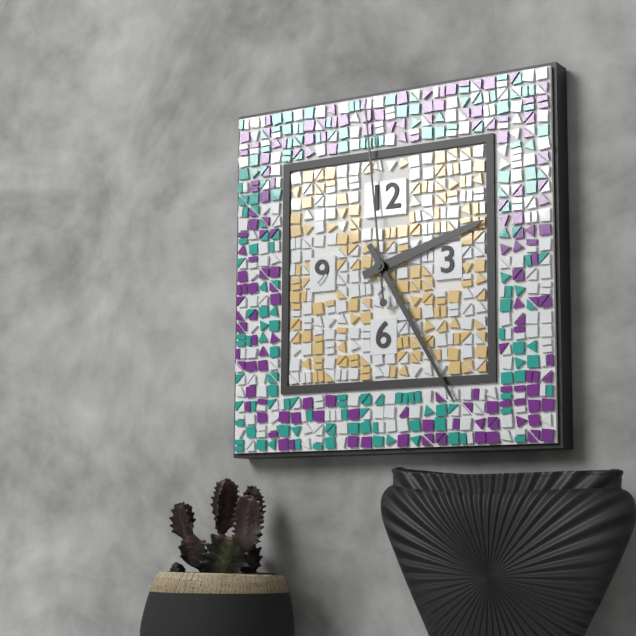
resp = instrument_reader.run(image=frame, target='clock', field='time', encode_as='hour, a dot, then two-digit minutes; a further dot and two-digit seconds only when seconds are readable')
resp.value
2.25.59
